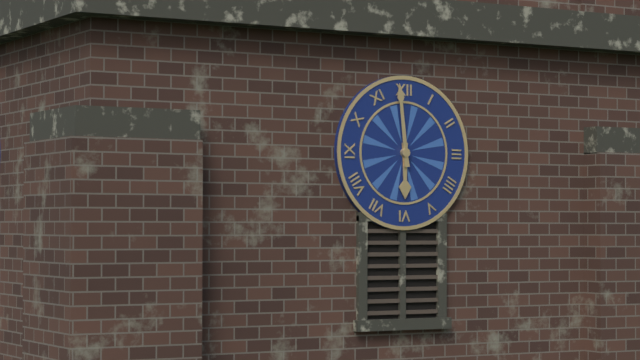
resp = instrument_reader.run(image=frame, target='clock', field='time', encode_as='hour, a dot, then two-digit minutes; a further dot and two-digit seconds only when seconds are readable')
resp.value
5.59
